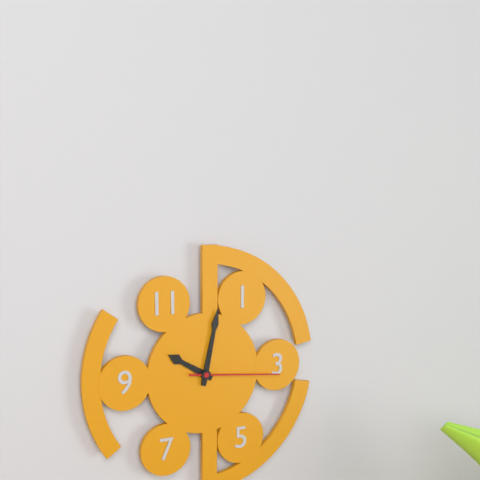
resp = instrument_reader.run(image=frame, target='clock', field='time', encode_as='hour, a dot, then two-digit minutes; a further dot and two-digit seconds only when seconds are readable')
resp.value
10.02.16
